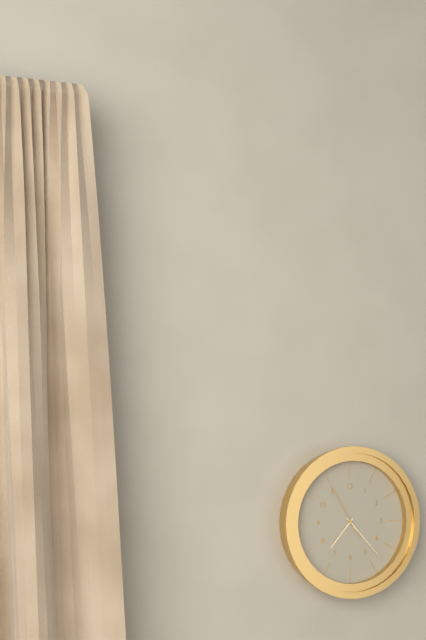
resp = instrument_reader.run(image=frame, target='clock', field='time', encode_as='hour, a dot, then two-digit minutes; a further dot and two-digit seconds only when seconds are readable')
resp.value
7.23.55
